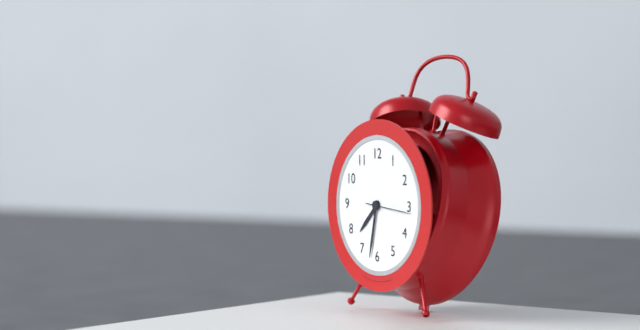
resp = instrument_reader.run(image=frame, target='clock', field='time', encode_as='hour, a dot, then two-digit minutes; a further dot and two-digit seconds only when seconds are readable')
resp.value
7.32
